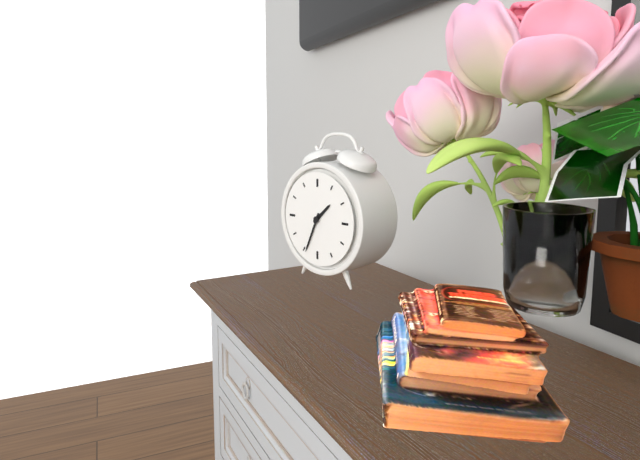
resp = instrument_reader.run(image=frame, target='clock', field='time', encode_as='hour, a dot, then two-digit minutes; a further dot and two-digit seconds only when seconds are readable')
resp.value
1.34
